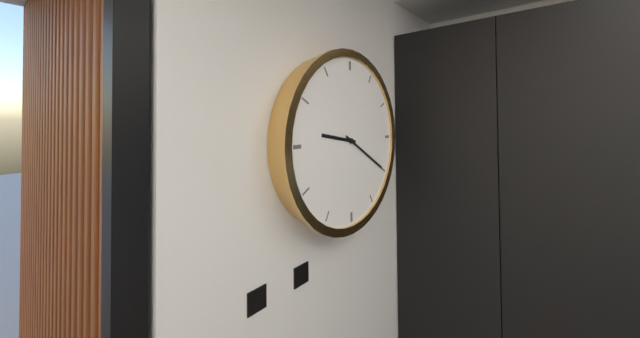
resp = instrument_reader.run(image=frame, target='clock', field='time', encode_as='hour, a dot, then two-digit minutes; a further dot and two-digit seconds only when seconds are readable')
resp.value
9.20
